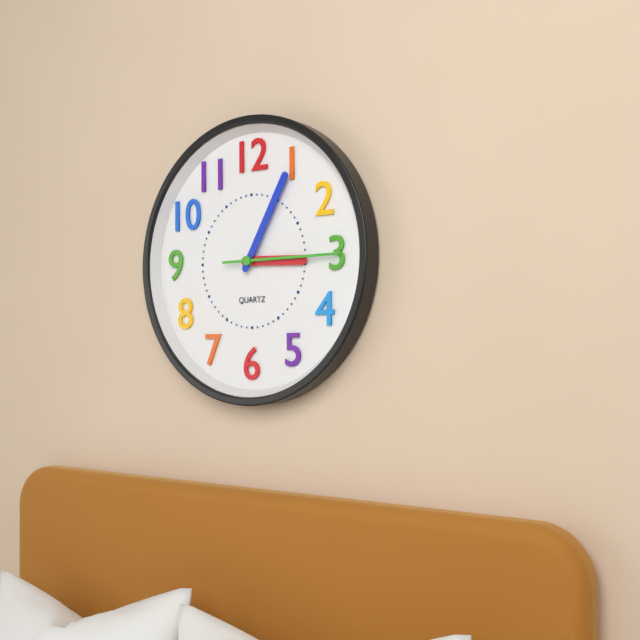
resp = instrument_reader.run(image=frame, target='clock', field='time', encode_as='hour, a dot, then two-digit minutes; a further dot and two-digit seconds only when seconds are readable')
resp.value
3.05.15
